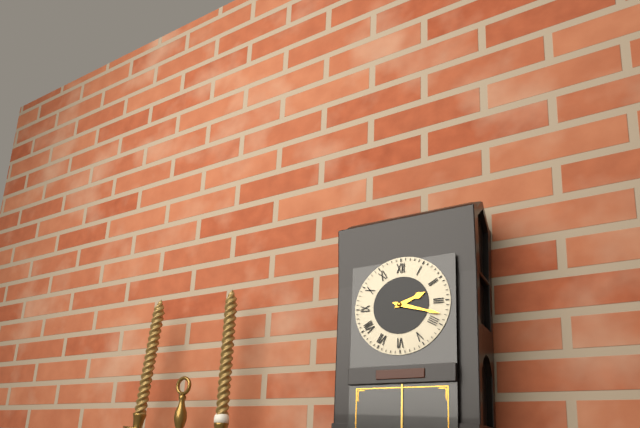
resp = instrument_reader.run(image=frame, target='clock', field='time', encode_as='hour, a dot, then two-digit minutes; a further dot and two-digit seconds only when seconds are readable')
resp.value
2.18
